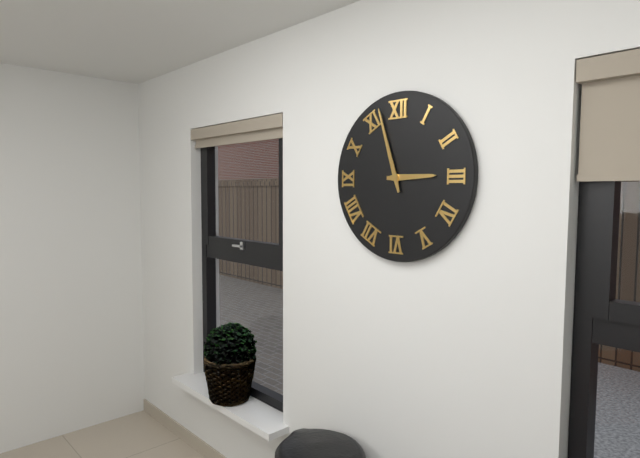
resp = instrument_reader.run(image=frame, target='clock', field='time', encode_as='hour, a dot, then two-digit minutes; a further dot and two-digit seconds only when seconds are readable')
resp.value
2.57
